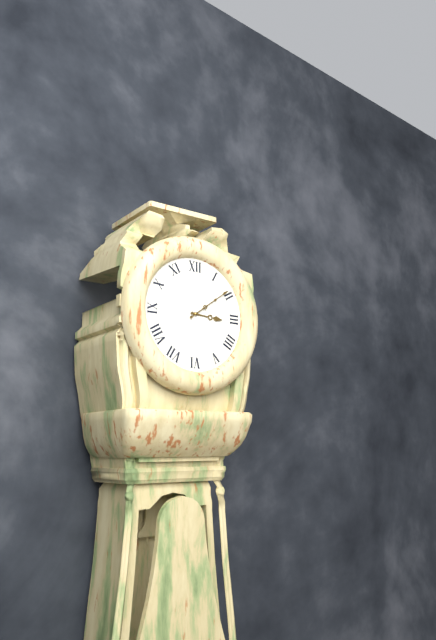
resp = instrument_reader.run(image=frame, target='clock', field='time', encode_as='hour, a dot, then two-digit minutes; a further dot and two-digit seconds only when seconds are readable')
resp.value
3.09
